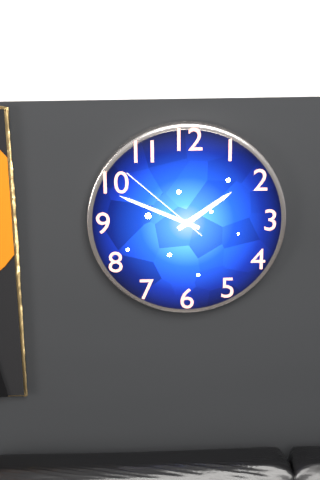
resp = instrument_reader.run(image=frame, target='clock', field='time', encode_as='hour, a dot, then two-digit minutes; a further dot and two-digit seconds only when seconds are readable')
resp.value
1.49.52
